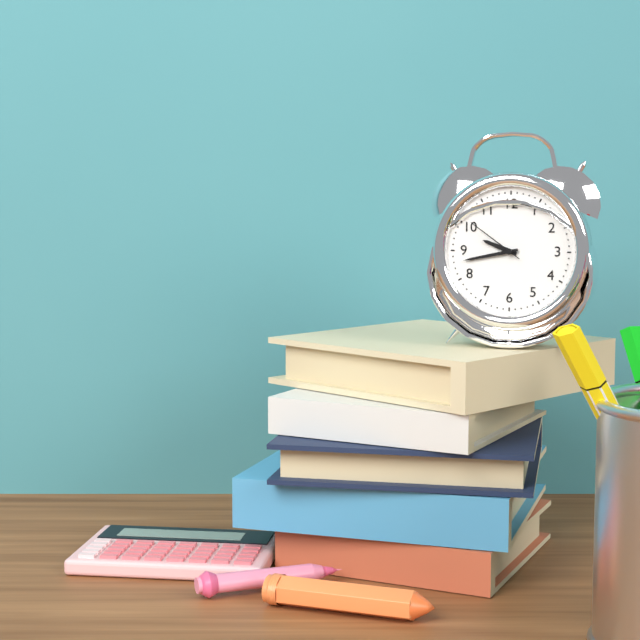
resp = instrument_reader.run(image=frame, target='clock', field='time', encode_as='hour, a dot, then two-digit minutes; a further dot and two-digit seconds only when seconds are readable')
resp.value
9.43.51
